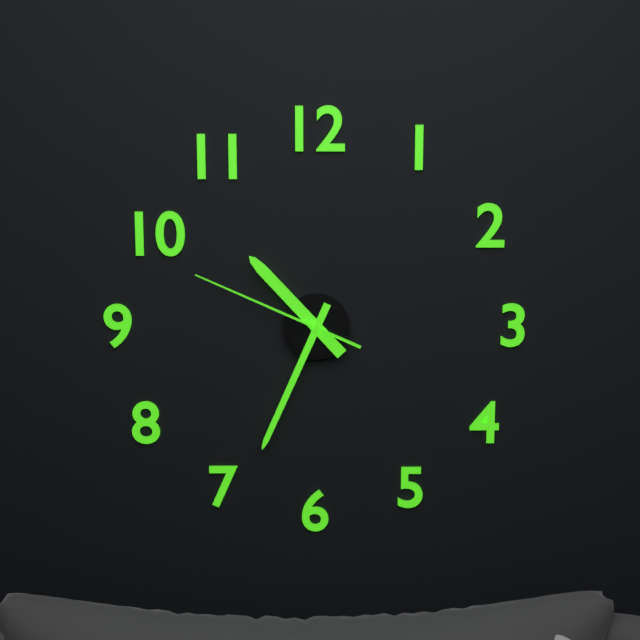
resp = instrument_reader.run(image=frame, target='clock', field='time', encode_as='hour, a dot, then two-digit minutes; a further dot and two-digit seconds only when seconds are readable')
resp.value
10.34.49
